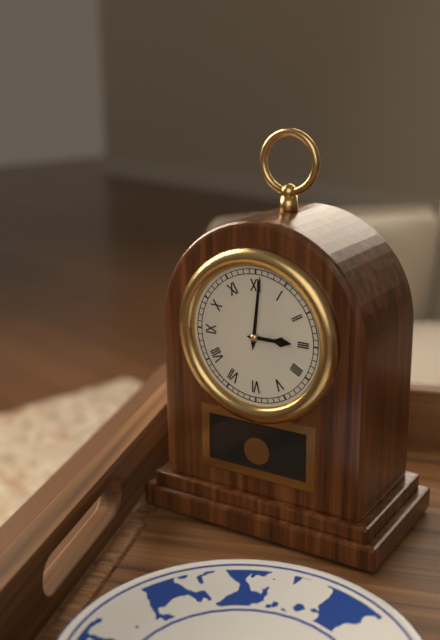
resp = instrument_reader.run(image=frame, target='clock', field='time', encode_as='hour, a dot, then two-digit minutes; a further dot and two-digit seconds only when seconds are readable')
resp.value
3.01
